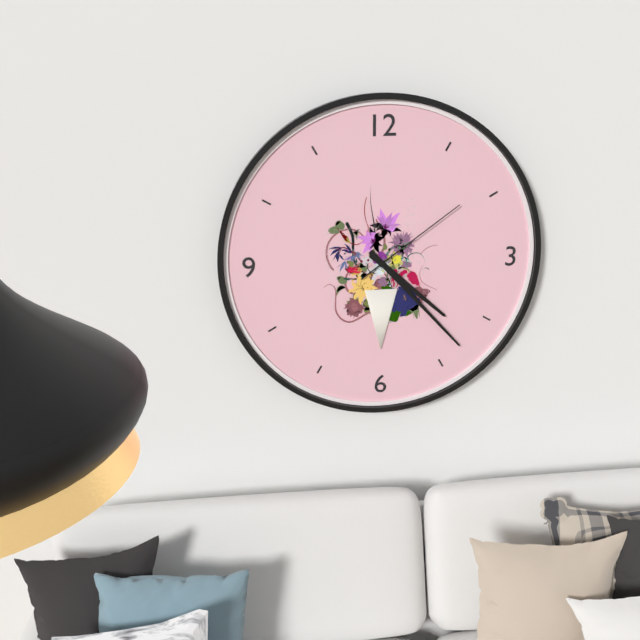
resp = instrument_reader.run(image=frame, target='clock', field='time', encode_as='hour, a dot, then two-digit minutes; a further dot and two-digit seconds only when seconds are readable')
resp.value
4.23.09
